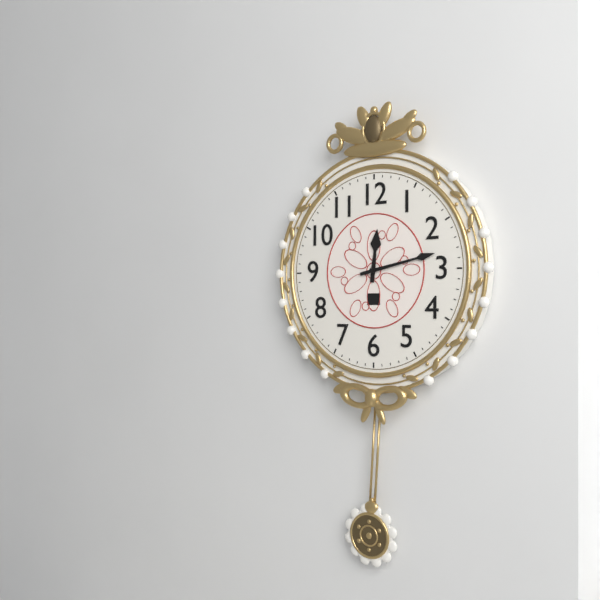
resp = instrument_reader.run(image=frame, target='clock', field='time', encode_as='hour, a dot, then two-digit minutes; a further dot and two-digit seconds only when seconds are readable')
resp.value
12.13
